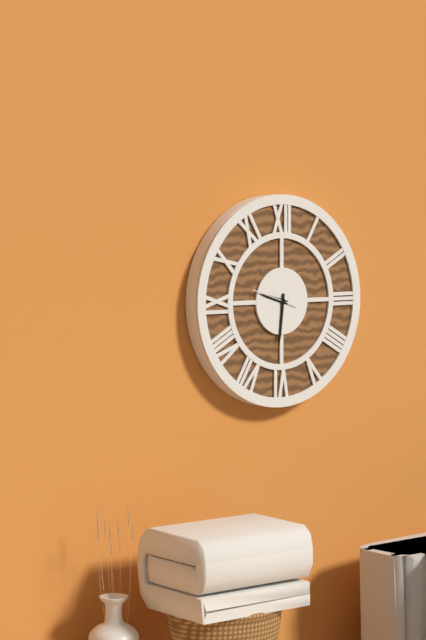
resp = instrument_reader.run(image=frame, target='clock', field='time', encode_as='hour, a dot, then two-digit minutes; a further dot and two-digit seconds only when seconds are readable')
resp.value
9.31
